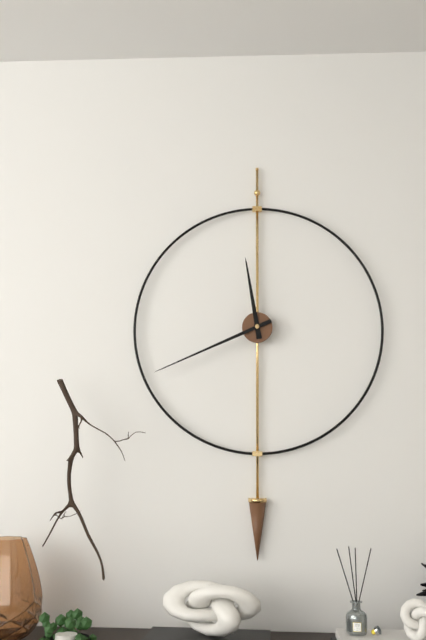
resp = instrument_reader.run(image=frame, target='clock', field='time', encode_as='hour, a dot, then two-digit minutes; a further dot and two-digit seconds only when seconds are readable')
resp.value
11.41
